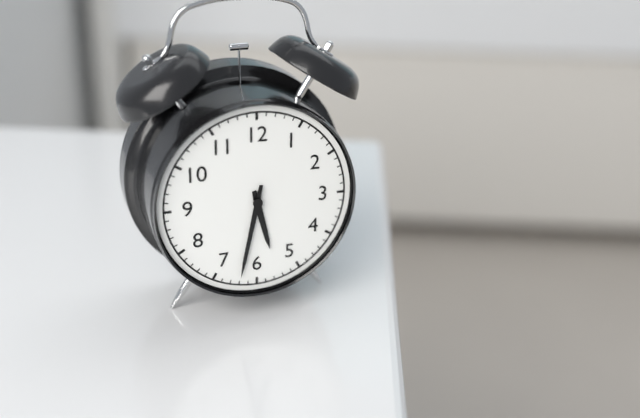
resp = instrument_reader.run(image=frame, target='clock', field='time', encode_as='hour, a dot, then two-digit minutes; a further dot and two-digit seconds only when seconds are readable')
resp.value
5.32
